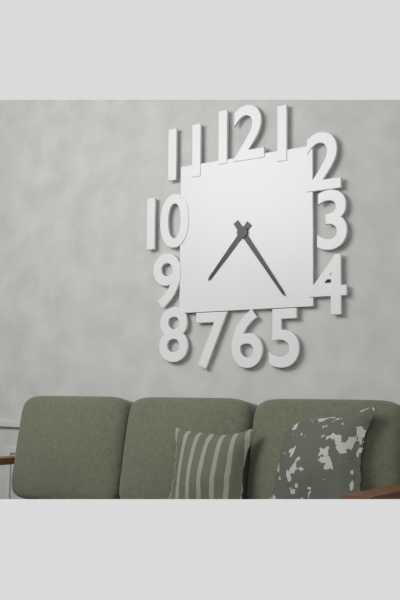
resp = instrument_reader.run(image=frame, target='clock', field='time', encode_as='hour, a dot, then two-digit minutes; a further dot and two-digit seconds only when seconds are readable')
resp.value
7.24
